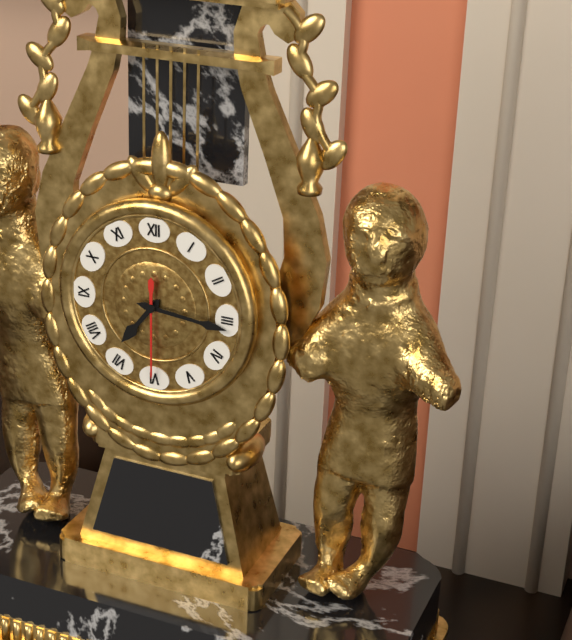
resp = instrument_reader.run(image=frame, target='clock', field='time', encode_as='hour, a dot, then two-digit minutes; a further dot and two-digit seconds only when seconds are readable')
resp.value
7.16.30
